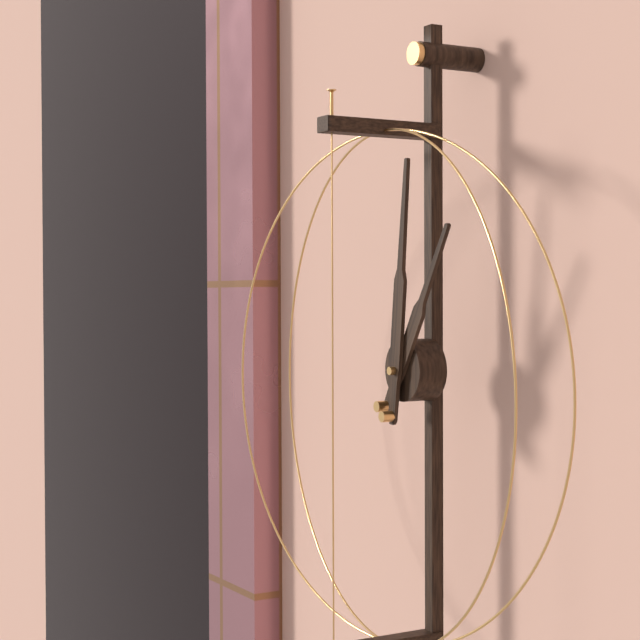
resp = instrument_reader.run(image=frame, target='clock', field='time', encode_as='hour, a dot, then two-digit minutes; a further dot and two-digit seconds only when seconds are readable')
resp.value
1.01
